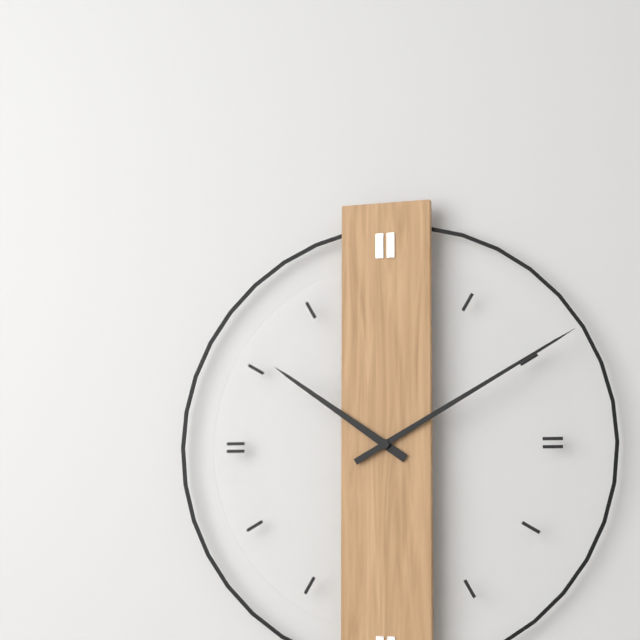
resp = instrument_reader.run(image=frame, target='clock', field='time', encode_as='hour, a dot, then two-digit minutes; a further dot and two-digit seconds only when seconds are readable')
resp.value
10.10
